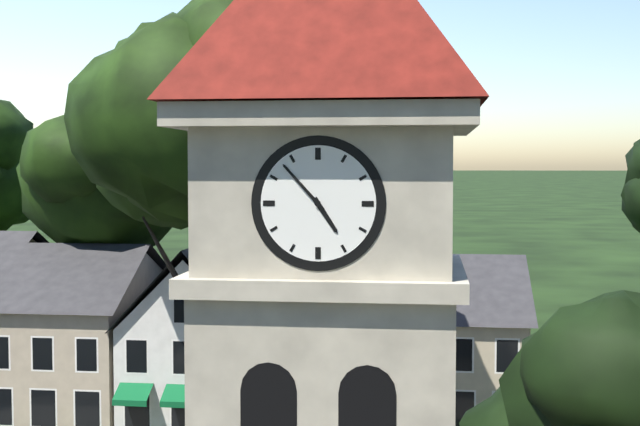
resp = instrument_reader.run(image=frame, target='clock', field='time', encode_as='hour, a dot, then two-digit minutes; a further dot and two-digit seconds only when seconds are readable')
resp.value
4.53
